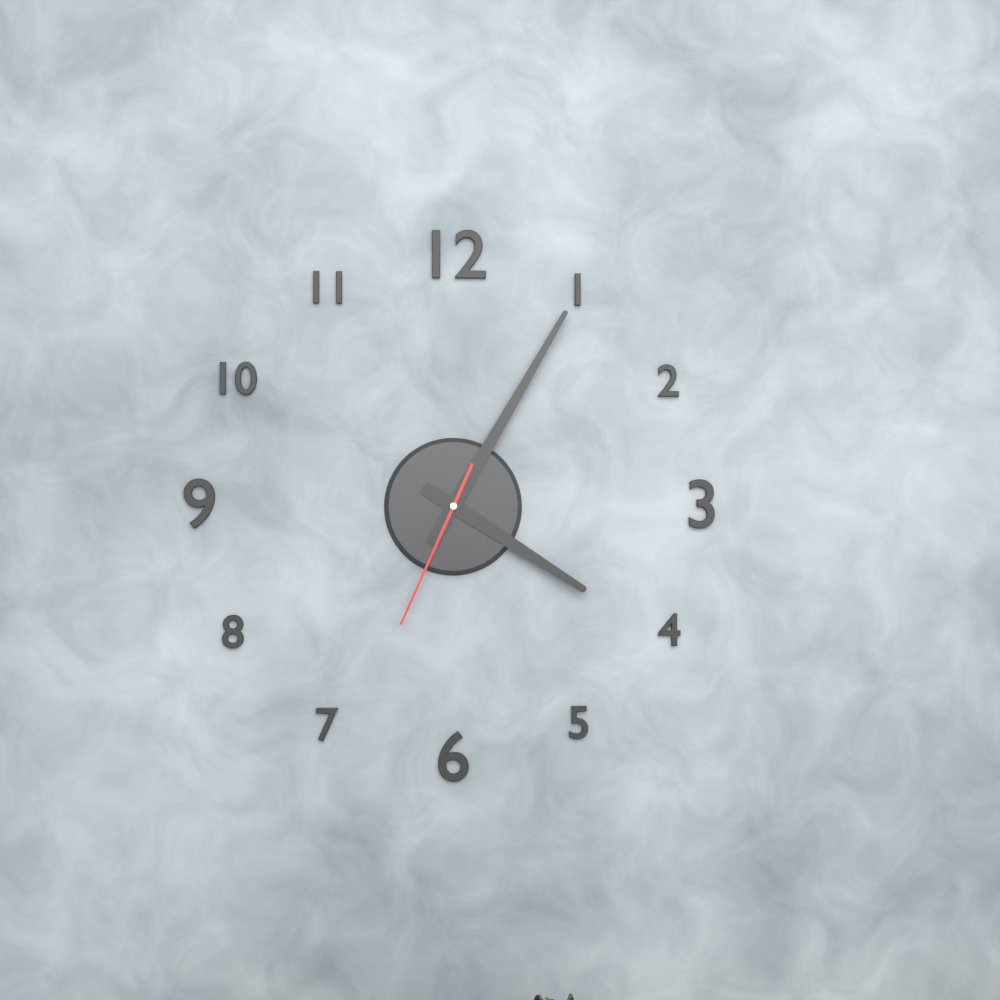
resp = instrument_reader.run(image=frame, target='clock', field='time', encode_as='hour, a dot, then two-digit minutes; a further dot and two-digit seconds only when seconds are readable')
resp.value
4.05.34
